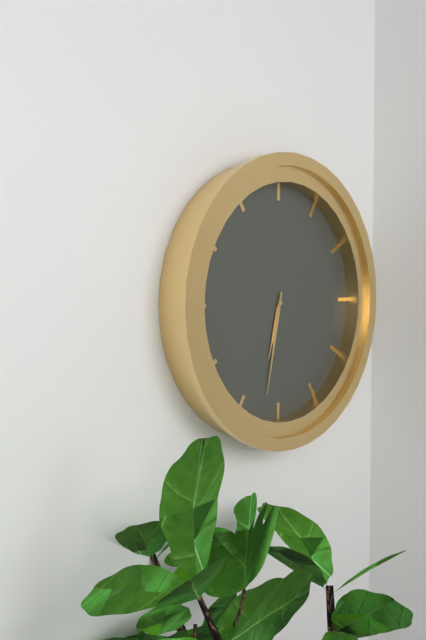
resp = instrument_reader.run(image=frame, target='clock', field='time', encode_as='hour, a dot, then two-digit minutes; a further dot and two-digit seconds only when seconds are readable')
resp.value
6.32
